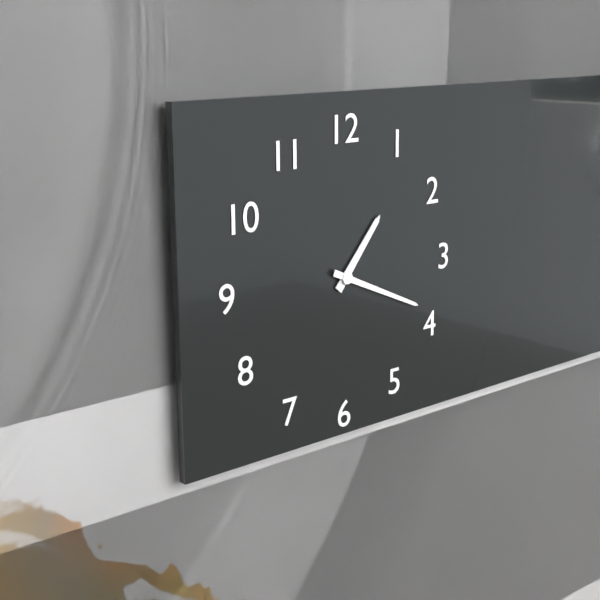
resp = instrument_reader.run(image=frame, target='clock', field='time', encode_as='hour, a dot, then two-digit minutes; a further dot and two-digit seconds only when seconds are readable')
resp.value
1.19
